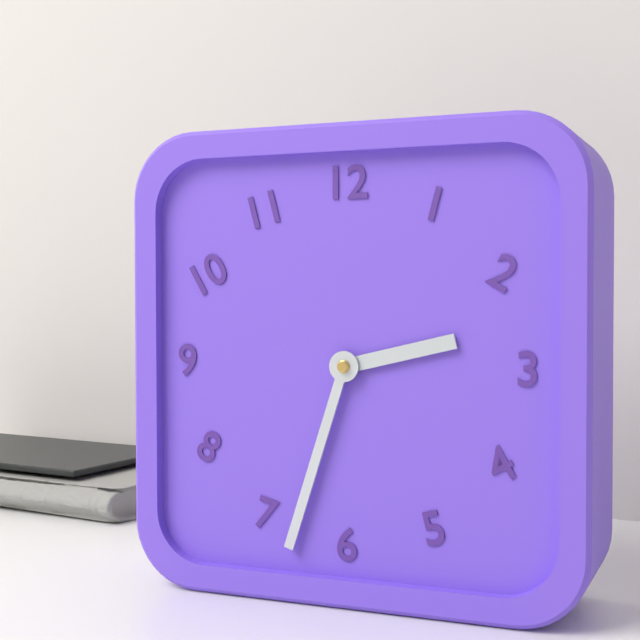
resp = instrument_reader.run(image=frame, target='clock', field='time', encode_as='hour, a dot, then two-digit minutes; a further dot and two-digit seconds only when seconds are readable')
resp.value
2.33
